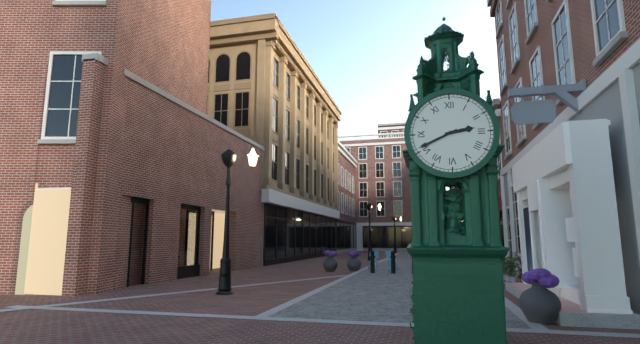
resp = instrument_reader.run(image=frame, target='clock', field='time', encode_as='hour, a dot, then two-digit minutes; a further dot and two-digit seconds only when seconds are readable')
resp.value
2.41
